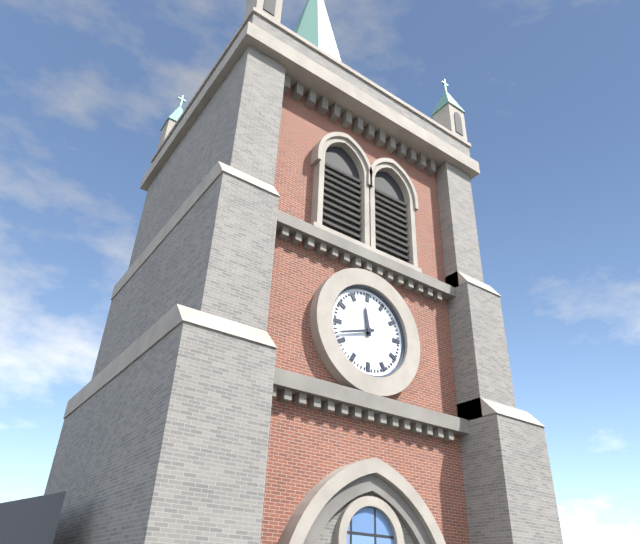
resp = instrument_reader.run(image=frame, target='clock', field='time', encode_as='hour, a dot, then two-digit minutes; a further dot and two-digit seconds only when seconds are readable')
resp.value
11.42
